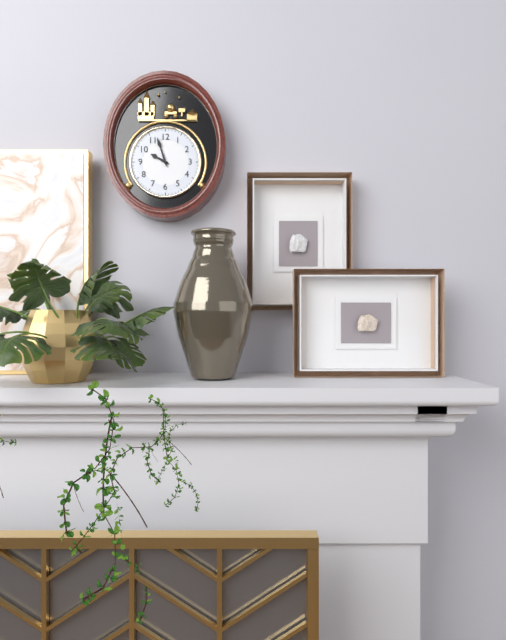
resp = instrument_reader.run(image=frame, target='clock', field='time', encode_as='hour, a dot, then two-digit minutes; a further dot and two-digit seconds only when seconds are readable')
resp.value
9.57
